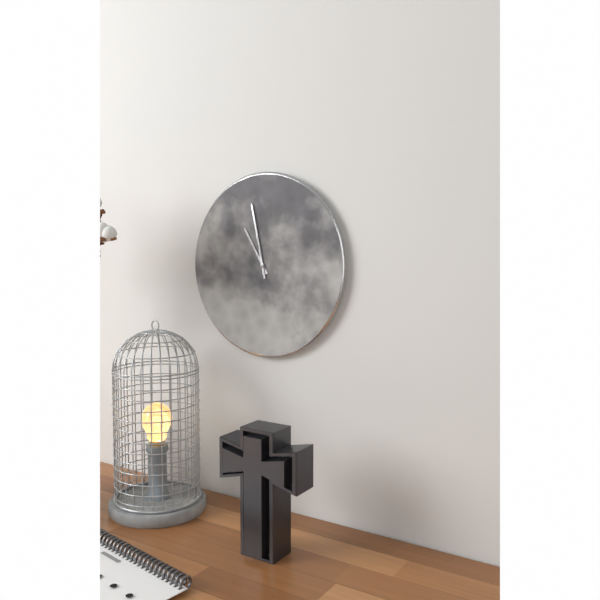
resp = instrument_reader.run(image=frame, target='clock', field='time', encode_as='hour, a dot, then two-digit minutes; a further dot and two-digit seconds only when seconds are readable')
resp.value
10.58
